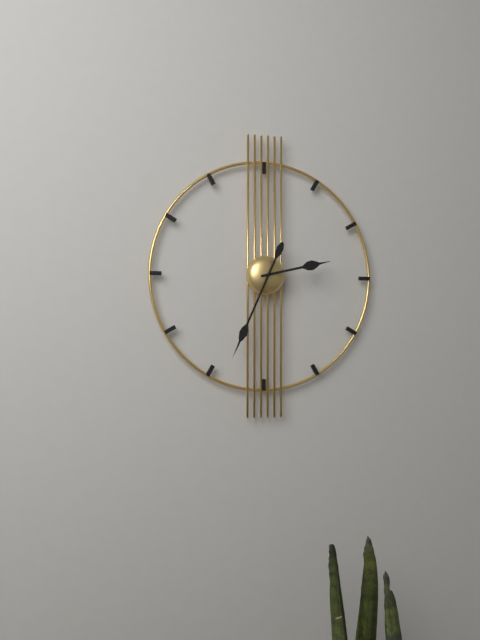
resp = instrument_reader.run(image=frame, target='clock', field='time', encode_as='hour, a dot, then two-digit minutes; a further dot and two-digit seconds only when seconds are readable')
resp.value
2.34
